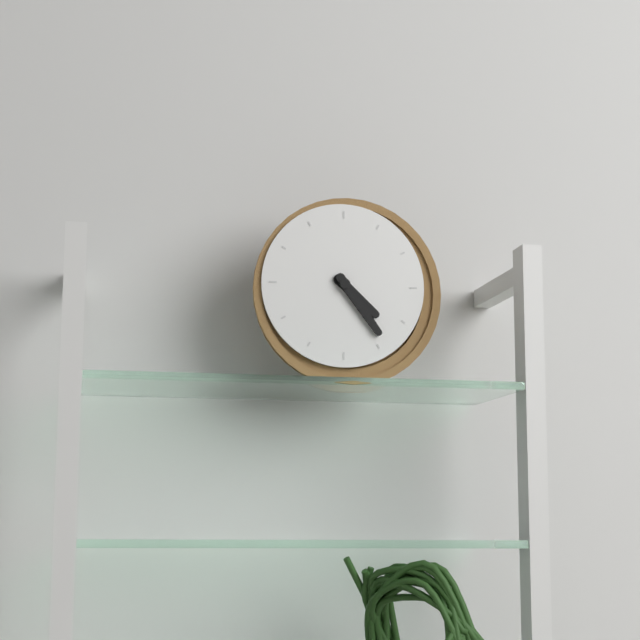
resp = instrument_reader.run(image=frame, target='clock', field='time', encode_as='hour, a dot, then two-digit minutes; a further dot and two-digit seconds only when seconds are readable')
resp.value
4.24
